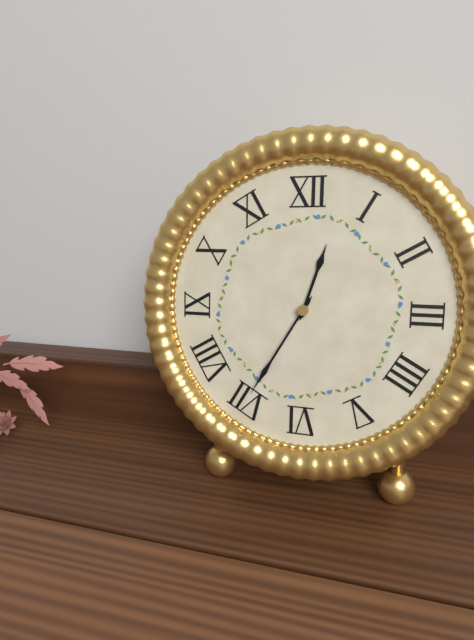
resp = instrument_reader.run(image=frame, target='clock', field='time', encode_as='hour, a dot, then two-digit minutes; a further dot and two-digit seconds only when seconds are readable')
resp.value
12.35
